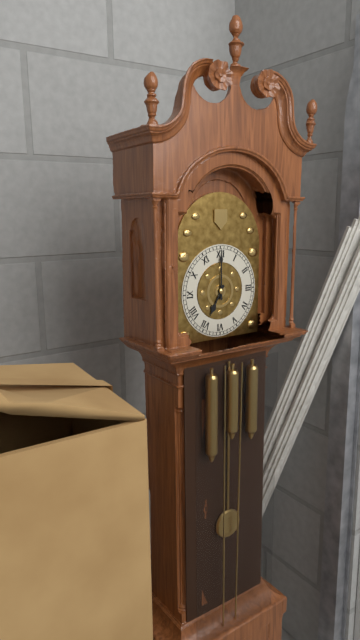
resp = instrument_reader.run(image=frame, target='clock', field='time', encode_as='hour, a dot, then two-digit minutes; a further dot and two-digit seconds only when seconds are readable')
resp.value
7.00
